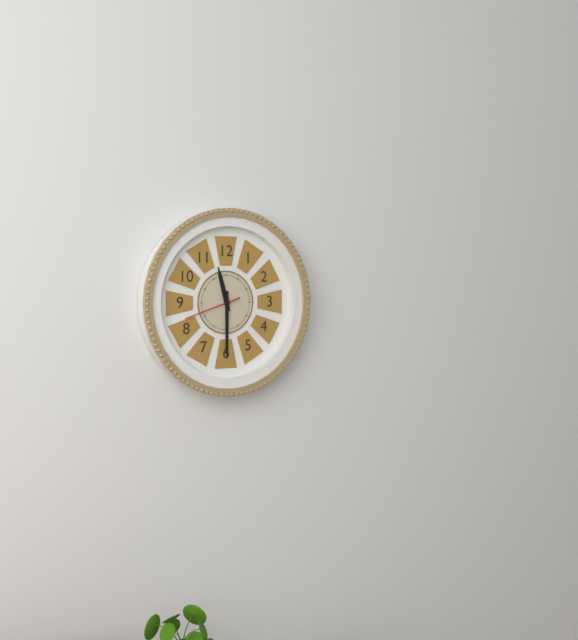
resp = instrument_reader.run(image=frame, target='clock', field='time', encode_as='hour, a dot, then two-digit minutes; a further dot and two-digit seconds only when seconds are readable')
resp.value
11.30.42
